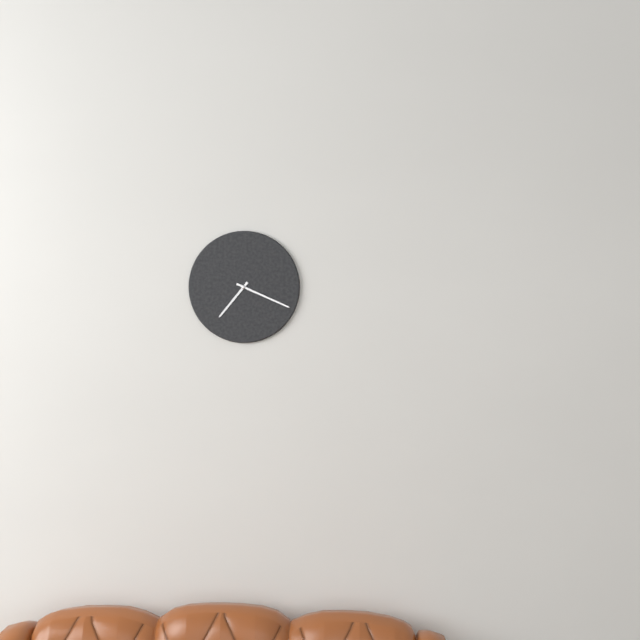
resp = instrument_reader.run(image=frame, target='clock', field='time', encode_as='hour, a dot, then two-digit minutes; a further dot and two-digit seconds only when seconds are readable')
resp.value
7.19
